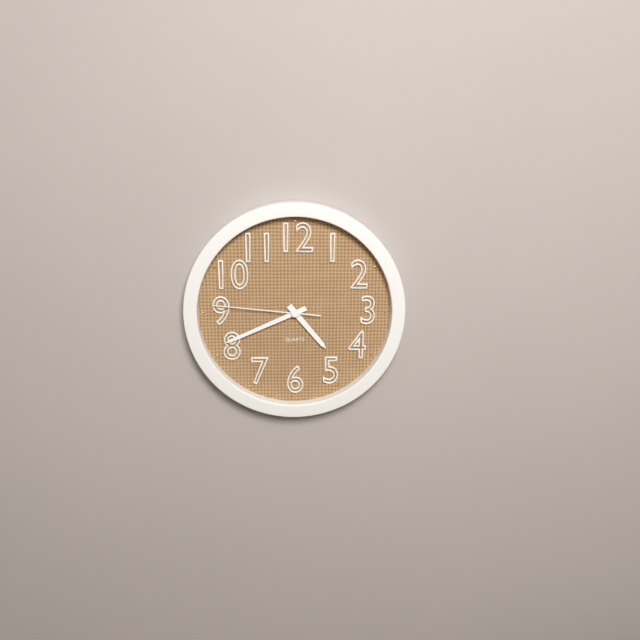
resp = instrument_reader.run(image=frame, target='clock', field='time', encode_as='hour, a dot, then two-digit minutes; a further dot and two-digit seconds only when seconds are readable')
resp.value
4.41.46
